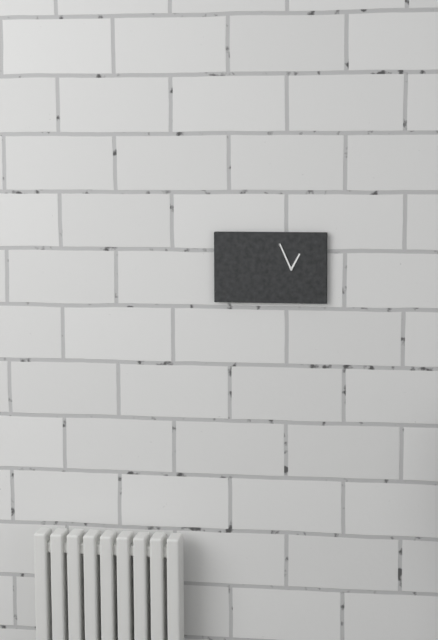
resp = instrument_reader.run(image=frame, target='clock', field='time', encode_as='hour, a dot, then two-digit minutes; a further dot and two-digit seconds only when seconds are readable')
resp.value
12.56
